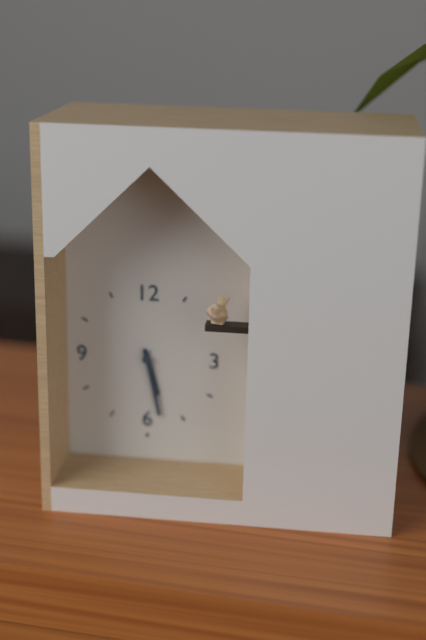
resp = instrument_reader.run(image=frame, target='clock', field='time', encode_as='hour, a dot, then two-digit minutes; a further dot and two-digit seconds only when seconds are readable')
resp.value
5.28
